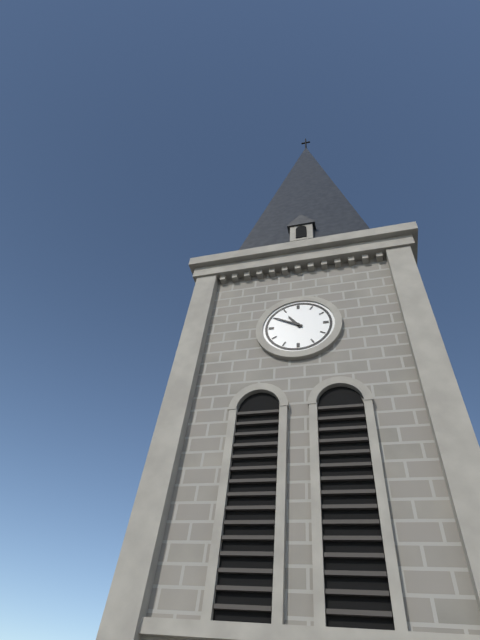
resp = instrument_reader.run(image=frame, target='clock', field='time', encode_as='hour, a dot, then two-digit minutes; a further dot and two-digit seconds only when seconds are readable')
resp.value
10.50
